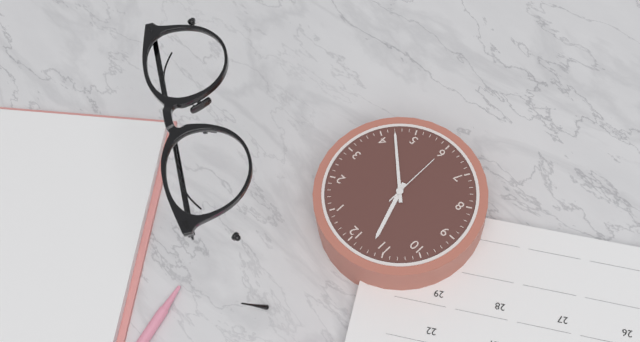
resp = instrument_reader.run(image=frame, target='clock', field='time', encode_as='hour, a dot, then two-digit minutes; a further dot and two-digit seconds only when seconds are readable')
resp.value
11.22.30
